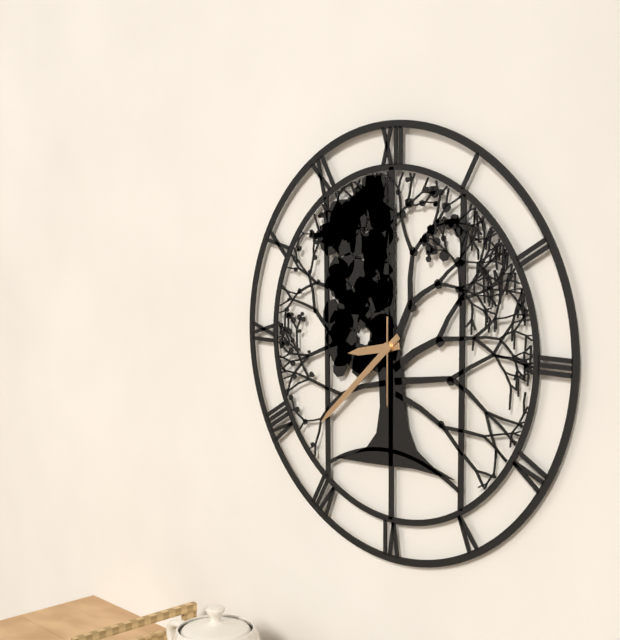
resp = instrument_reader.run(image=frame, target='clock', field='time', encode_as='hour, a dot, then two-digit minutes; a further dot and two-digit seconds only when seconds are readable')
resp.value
8.38.30
